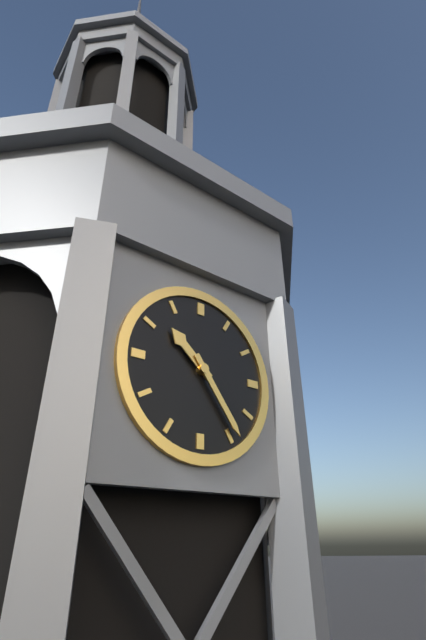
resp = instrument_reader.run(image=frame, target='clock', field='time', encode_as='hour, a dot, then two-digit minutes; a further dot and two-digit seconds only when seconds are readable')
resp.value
10.24
